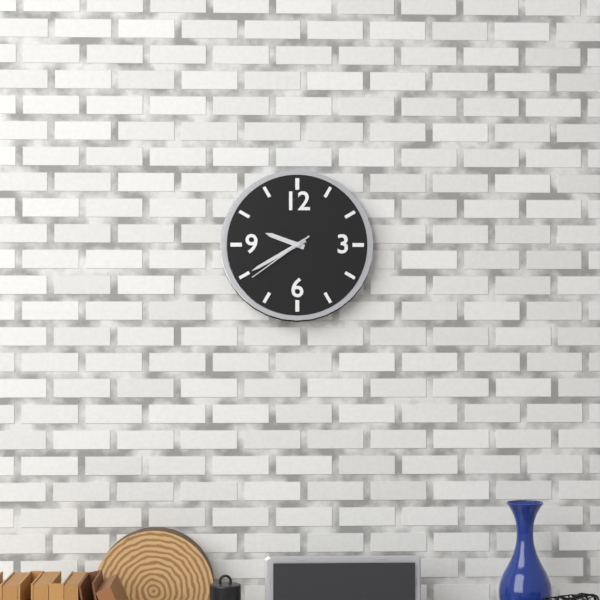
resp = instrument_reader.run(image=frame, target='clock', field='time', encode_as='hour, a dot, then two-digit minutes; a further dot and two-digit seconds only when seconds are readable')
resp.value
9.40.39
